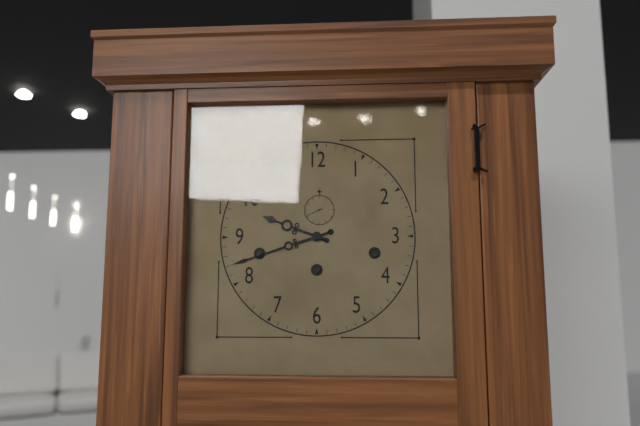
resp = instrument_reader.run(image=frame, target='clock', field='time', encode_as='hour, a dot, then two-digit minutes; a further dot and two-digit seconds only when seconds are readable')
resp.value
9.42
